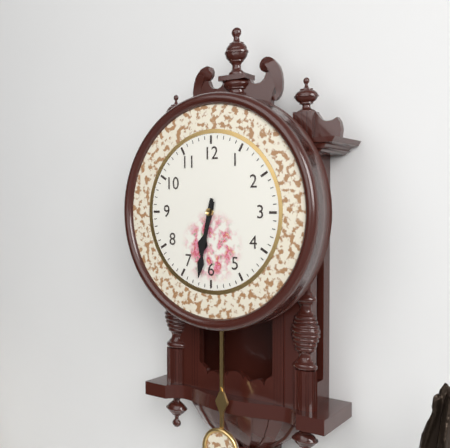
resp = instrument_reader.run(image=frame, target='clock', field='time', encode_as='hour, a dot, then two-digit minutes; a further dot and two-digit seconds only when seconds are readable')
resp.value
6.32
